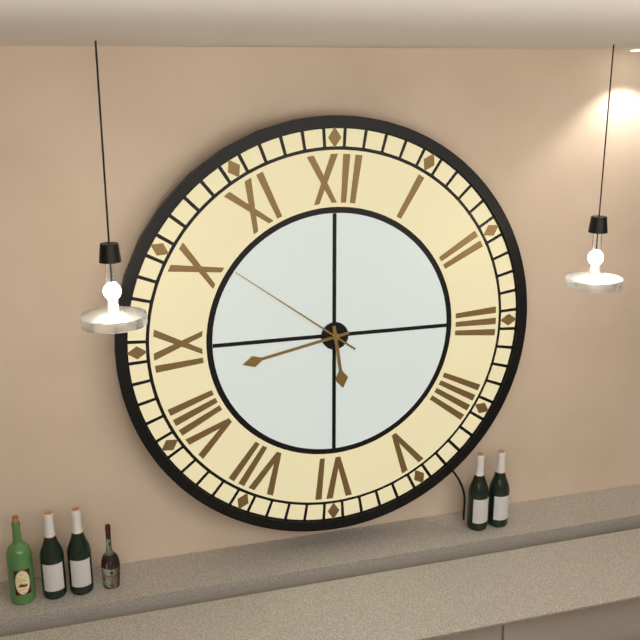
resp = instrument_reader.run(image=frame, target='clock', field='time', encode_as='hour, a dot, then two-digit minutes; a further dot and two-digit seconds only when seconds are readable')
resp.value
5.43.51
